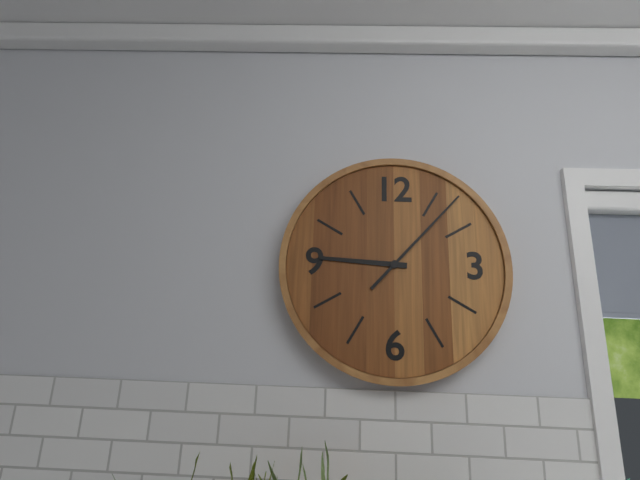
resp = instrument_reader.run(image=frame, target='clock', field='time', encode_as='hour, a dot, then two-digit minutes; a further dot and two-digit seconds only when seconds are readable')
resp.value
9.07
